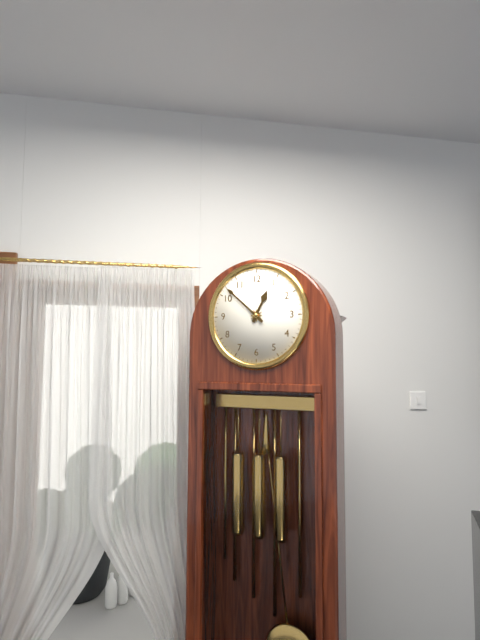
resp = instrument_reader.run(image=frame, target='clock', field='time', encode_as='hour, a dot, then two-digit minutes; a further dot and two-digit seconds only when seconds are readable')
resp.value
12.52
